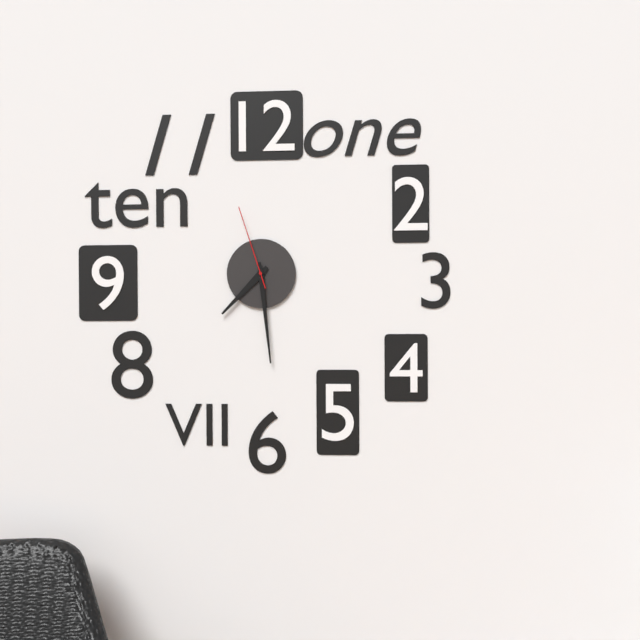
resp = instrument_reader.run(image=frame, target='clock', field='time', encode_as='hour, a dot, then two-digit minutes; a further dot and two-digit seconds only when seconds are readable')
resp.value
7.29.57
